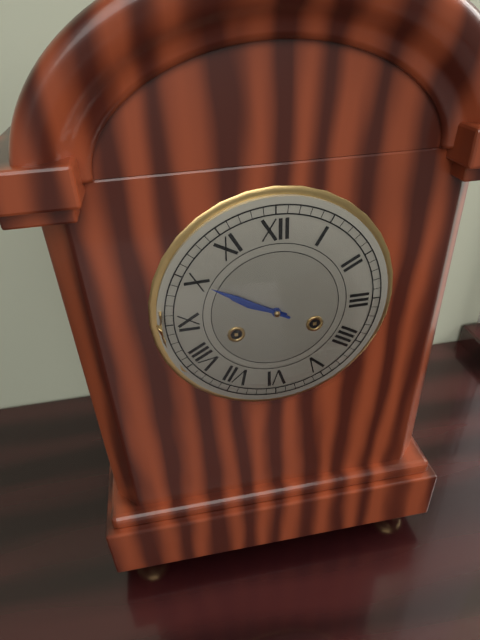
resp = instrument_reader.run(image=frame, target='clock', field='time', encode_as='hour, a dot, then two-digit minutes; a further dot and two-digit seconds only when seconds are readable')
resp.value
9.50
